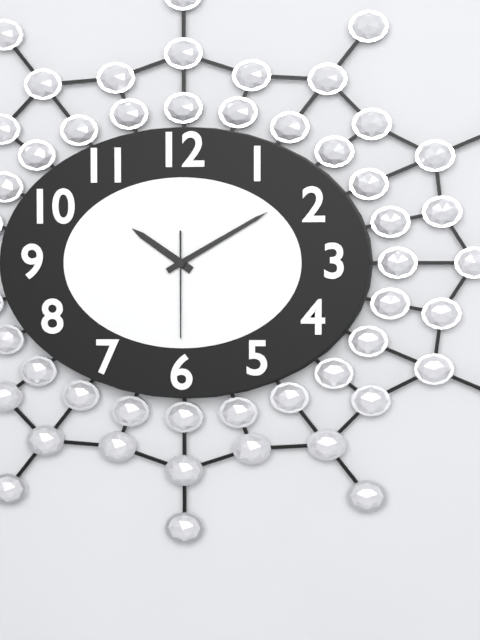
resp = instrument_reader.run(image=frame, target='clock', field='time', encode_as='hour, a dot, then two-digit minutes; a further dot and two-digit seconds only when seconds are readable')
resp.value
10.10.30
